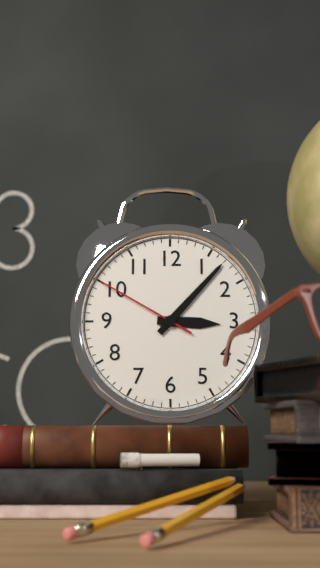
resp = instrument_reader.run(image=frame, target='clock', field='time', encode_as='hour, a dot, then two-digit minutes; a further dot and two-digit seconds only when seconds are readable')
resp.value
3.07.50
